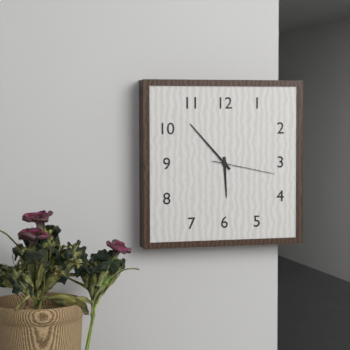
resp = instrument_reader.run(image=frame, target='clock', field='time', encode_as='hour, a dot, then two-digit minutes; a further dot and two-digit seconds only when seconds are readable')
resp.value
5.53.17
